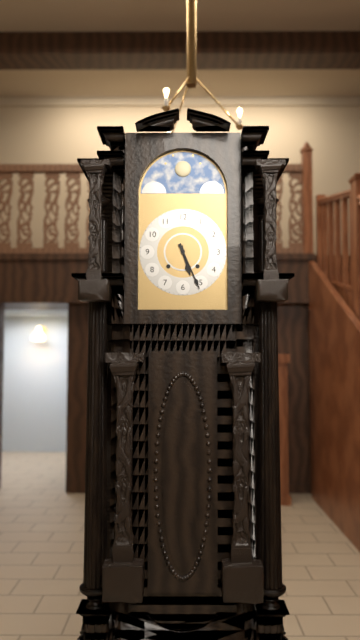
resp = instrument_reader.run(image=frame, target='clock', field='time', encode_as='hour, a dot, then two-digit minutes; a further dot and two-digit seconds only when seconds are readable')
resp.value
5.26
